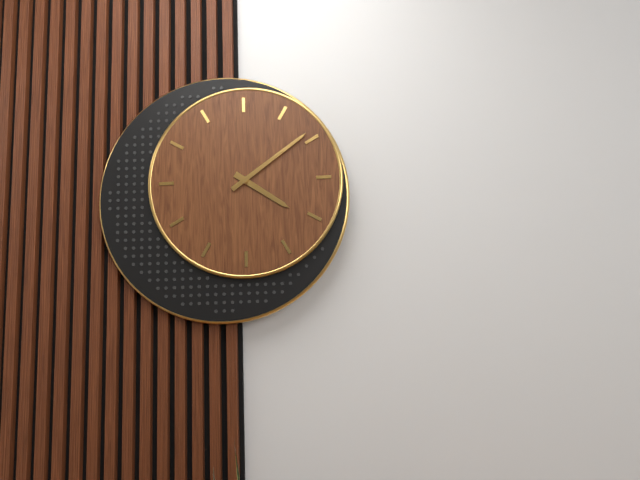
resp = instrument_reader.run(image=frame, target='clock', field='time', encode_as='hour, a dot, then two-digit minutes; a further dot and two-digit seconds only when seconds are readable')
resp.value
4.09
